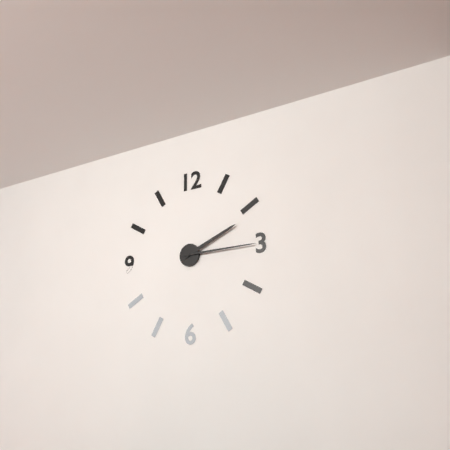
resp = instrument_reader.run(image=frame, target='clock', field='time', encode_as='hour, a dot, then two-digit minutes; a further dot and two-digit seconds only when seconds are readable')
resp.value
2.15
